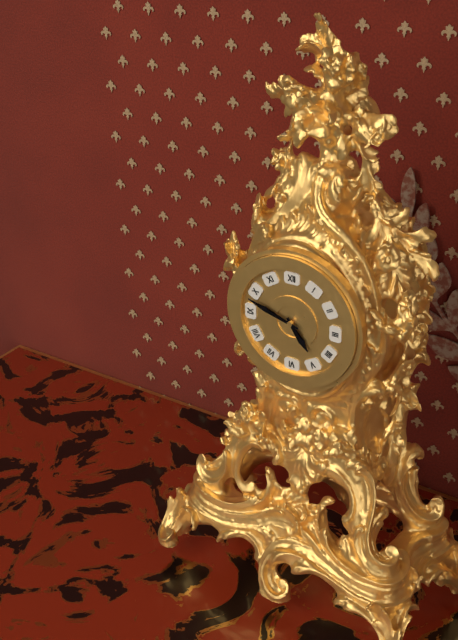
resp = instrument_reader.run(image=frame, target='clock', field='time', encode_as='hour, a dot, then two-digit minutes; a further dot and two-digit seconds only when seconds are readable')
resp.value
4.48
